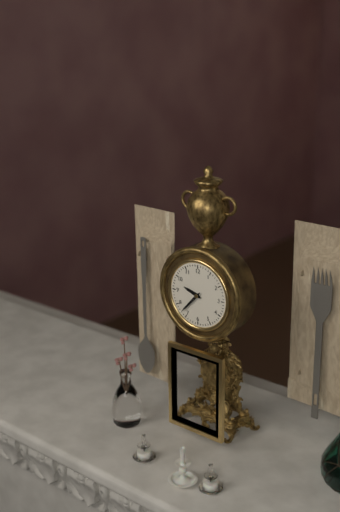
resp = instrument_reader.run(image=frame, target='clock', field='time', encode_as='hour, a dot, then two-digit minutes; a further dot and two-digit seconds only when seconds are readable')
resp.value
9.37
